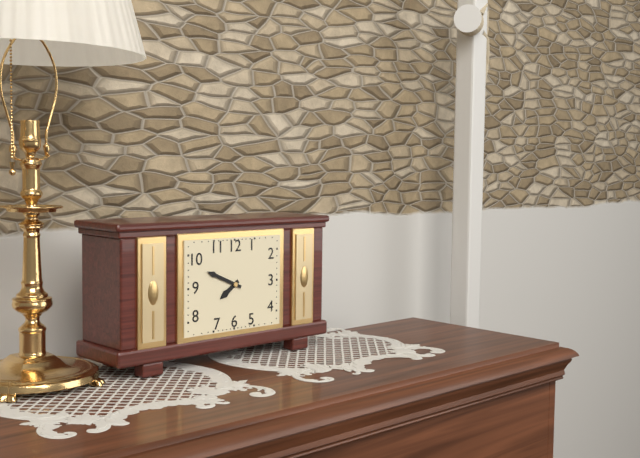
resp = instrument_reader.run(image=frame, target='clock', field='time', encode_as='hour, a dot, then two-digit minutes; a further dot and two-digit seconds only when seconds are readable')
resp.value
7.49
